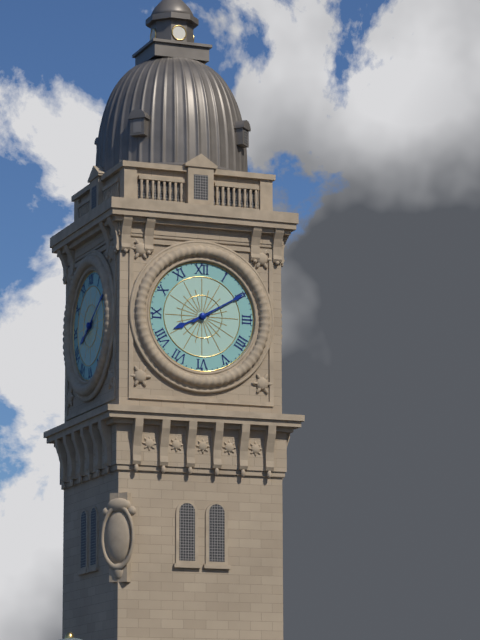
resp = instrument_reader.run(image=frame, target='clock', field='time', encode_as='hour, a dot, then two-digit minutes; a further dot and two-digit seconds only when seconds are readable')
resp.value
8.10
